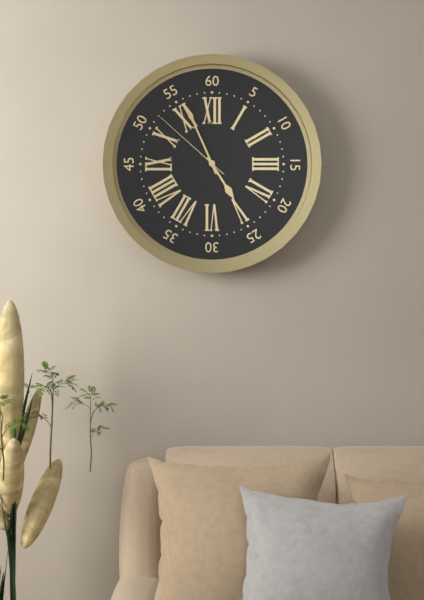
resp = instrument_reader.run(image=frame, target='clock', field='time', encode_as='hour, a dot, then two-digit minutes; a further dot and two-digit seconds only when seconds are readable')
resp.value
4.56.52
